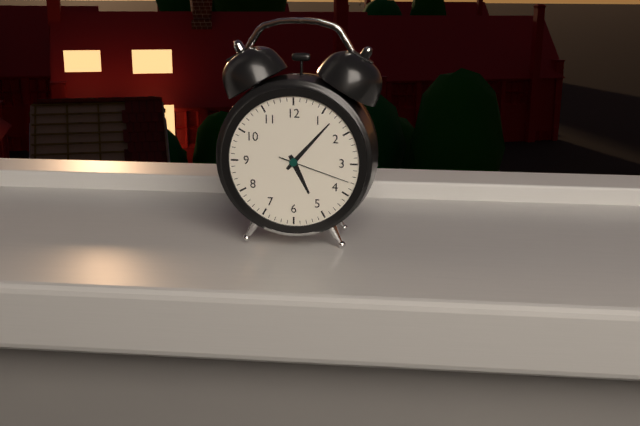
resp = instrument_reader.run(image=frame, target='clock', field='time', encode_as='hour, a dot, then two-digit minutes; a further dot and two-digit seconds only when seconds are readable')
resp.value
5.07.18
